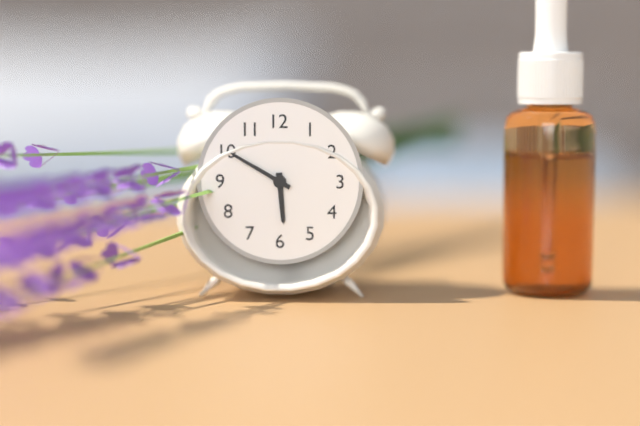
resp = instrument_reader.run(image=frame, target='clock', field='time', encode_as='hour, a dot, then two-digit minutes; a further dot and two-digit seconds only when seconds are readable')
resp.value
5.50
